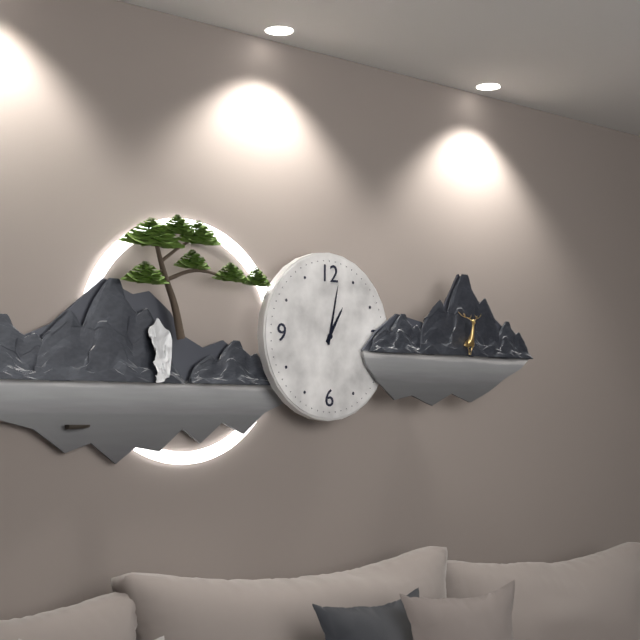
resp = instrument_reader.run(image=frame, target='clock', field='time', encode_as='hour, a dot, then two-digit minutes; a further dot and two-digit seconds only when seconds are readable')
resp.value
1.02
